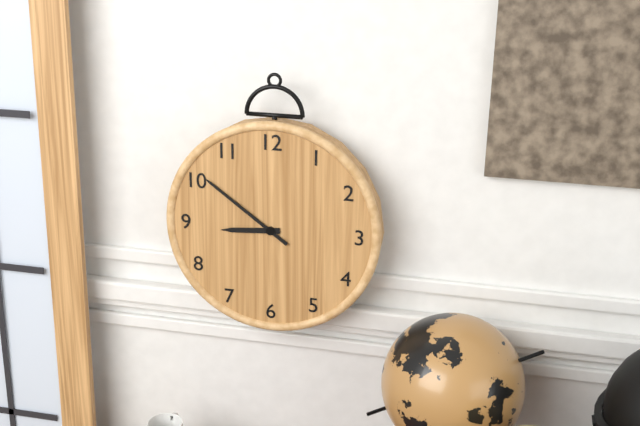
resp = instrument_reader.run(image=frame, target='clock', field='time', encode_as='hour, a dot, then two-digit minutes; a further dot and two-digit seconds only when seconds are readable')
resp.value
8.51
